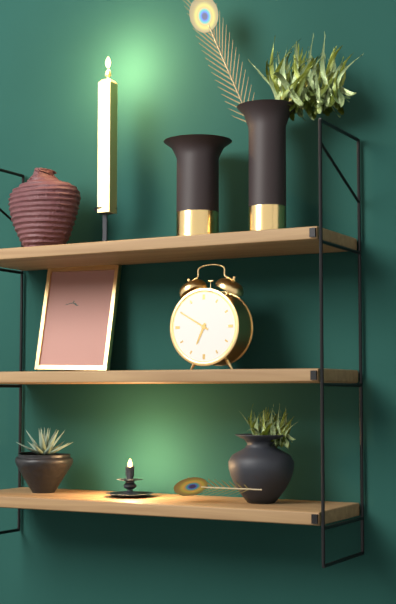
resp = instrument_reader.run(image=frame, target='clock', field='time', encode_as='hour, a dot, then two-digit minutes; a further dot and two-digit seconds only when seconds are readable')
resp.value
6.50
